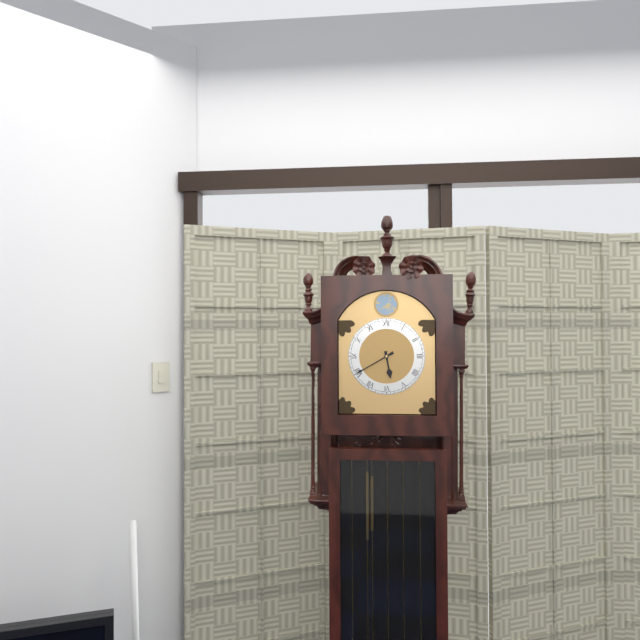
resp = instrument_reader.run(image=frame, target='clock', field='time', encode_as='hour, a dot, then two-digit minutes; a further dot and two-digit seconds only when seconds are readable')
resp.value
5.40
